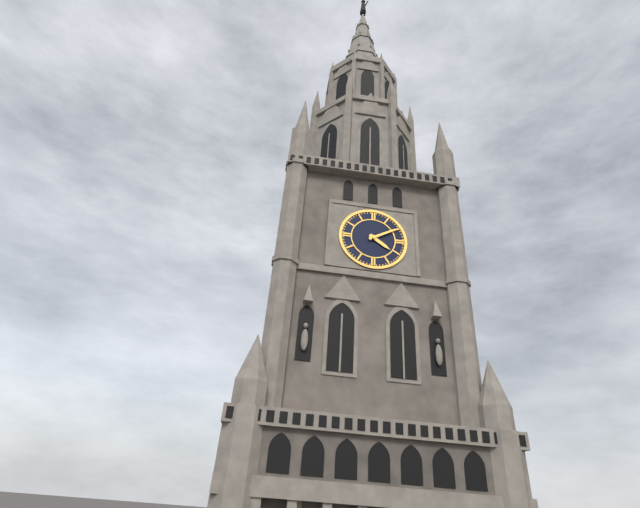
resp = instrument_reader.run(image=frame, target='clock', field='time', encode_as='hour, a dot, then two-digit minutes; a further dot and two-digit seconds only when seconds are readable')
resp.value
4.10
